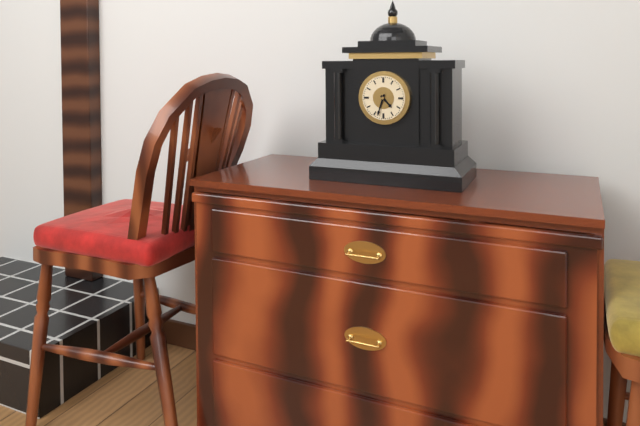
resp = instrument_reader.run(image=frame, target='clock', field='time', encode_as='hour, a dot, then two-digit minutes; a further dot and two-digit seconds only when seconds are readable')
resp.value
4.33
